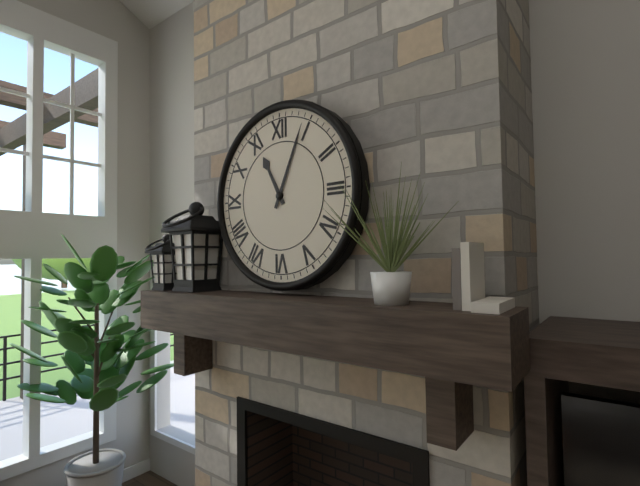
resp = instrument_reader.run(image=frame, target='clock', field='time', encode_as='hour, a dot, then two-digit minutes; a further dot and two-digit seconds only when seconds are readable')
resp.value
11.04
